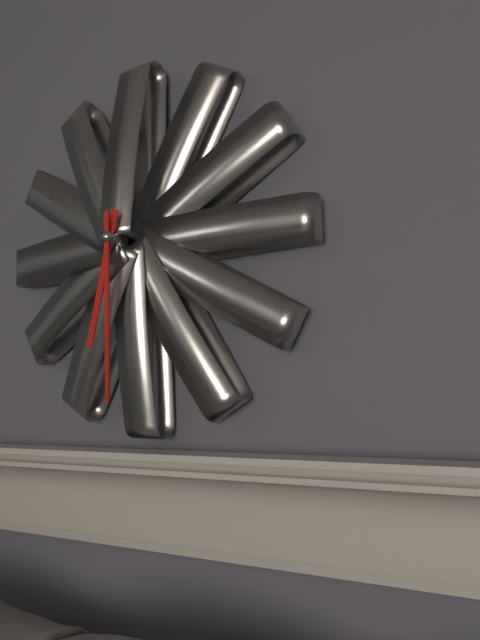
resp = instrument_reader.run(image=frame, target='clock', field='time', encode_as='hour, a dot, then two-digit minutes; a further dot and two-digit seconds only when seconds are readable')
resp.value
6.30
